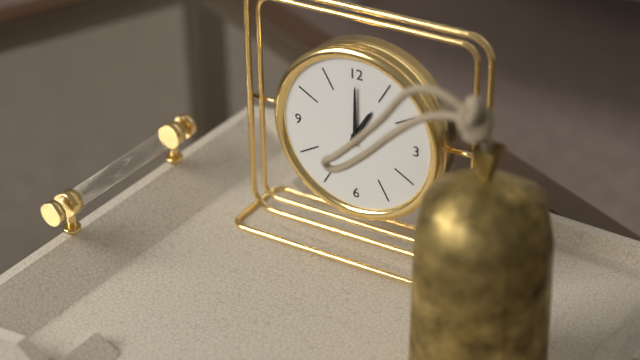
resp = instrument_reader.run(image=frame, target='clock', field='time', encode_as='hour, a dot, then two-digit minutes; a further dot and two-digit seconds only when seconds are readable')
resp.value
1.00
